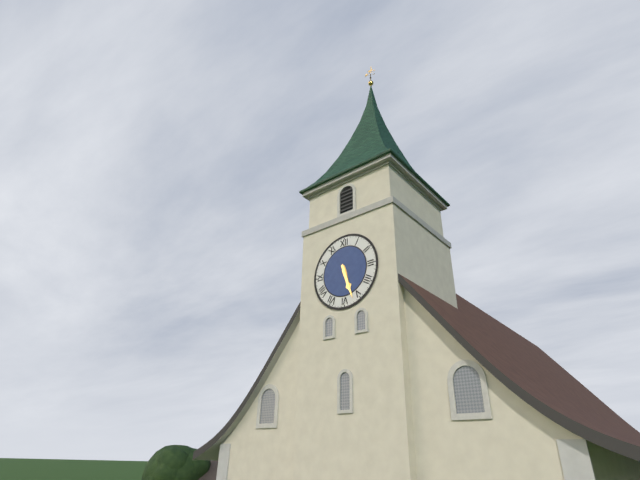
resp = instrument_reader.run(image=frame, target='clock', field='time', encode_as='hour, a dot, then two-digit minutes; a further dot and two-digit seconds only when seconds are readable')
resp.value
5.27
